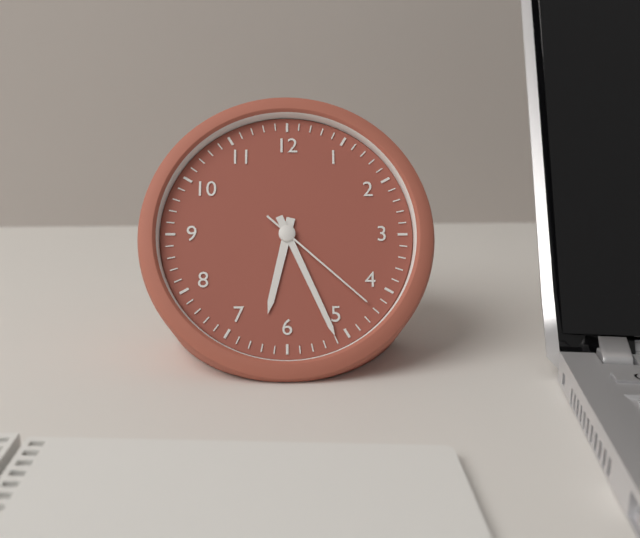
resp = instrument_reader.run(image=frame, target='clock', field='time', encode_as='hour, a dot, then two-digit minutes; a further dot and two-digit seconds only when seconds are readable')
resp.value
6.26.22
